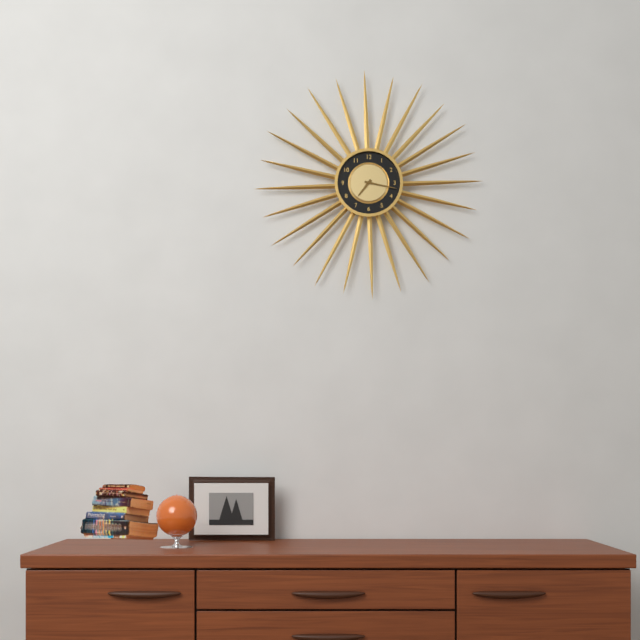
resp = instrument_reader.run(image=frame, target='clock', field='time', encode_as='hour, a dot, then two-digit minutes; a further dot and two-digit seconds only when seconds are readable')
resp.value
7.17
